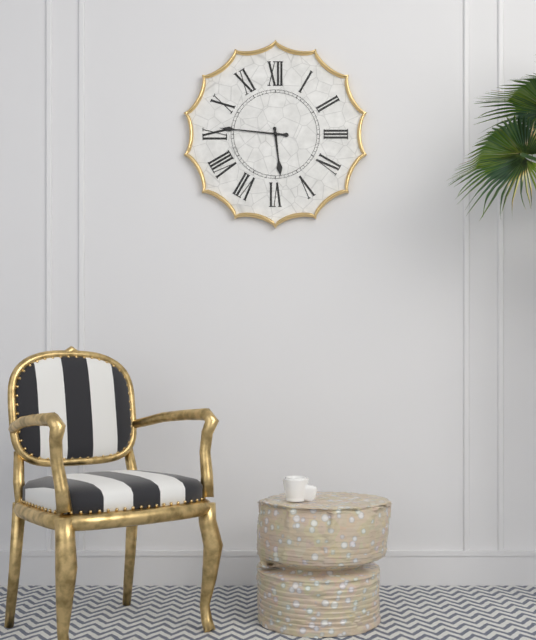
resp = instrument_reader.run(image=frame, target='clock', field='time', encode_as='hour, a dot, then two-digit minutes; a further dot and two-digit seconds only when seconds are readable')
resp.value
5.46
